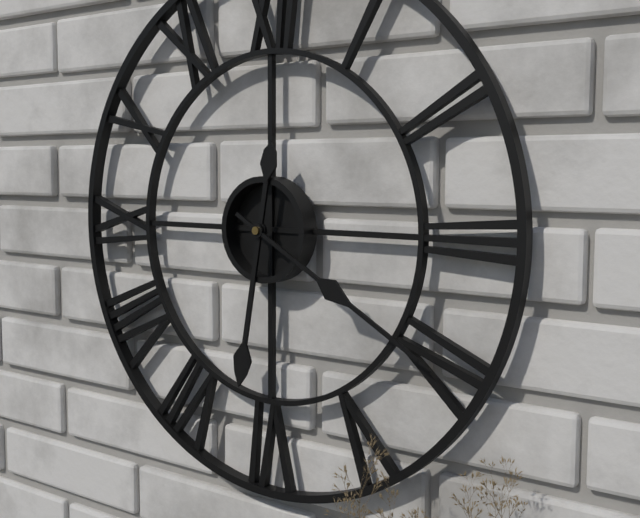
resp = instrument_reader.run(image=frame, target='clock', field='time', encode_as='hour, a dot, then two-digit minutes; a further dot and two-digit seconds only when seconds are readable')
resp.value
6.20
